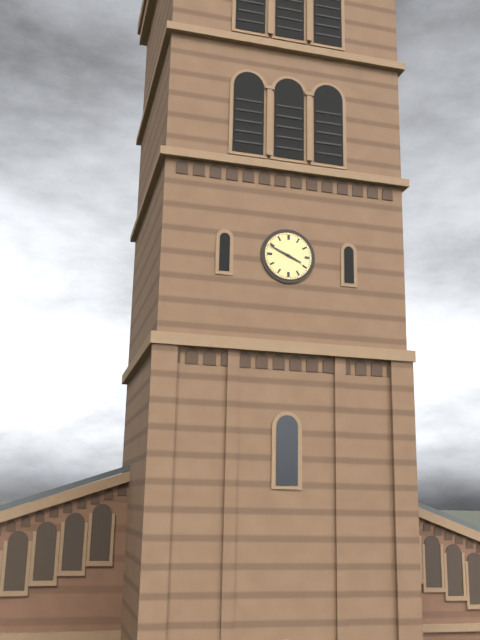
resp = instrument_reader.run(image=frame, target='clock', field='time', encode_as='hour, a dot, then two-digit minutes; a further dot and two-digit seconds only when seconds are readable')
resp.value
3.49
